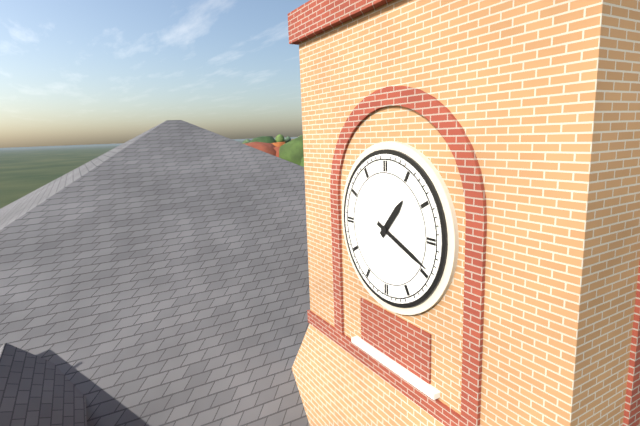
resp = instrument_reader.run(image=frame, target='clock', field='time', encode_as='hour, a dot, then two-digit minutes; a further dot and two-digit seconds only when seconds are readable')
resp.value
1.19
